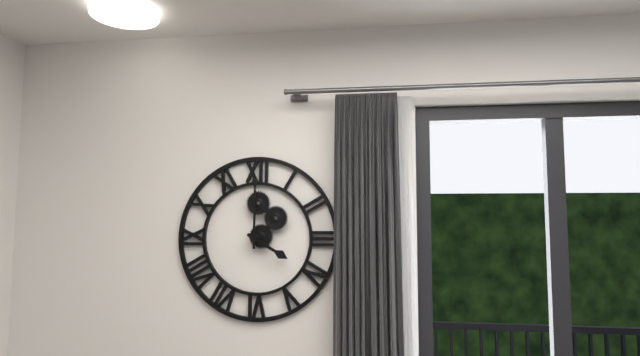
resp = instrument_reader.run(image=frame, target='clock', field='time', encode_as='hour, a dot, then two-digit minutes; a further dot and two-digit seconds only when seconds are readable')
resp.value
4.00
